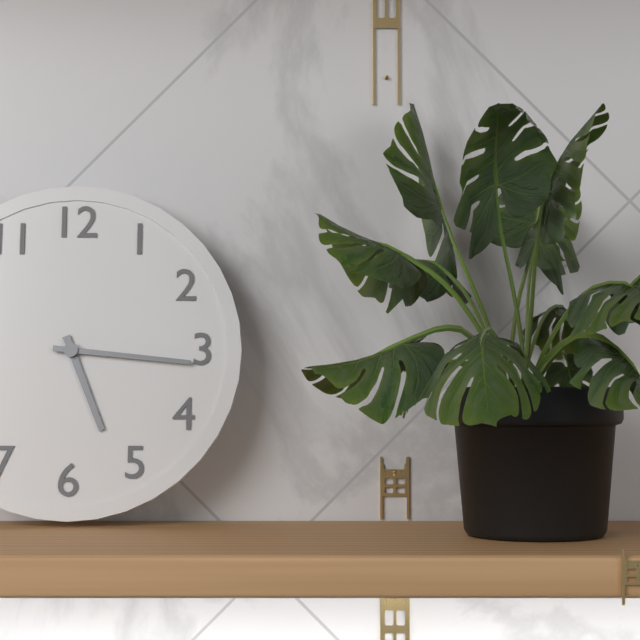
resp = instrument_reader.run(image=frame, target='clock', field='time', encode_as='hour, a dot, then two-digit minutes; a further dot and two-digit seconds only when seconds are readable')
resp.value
5.16
